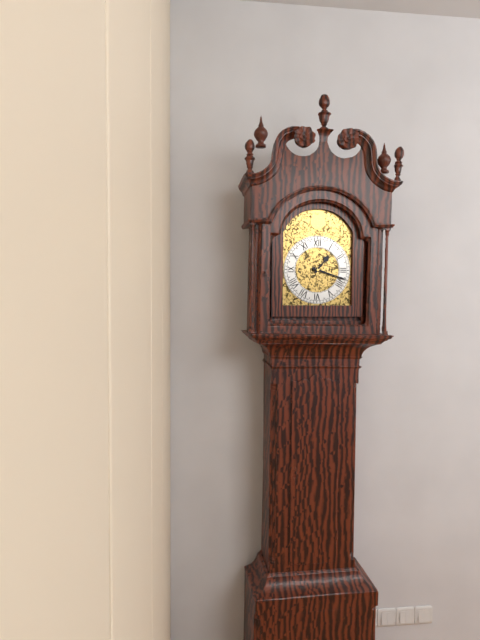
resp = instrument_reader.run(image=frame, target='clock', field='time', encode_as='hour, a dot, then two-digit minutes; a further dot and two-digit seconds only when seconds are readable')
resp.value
1.18
